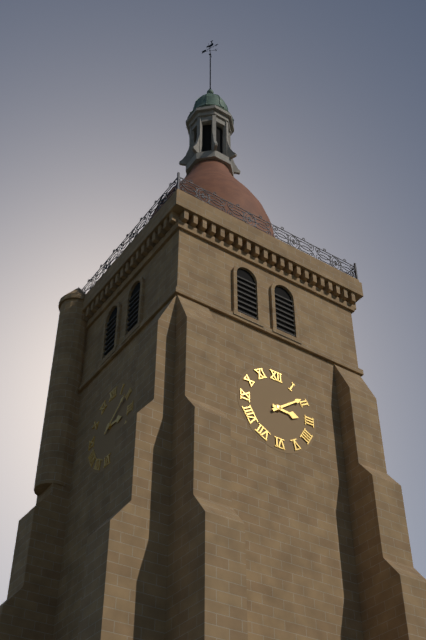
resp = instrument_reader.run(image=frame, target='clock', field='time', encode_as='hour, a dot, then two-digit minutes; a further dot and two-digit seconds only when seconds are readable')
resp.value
3.09
